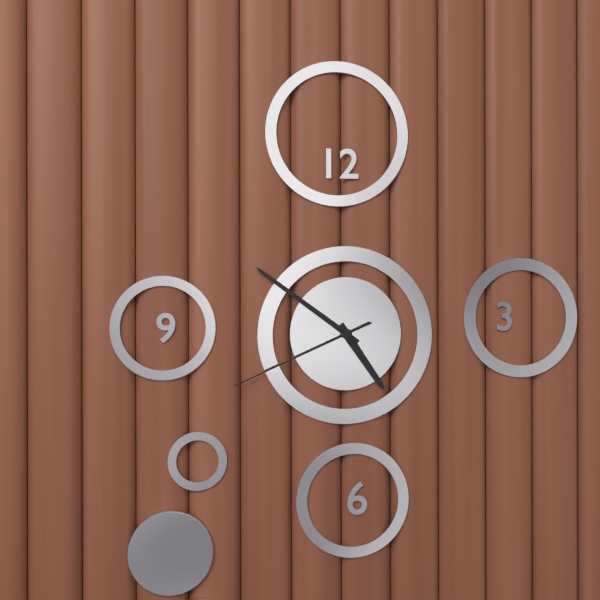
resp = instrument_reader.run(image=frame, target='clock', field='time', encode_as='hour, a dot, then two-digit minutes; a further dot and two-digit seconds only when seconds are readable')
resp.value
4.51.41
